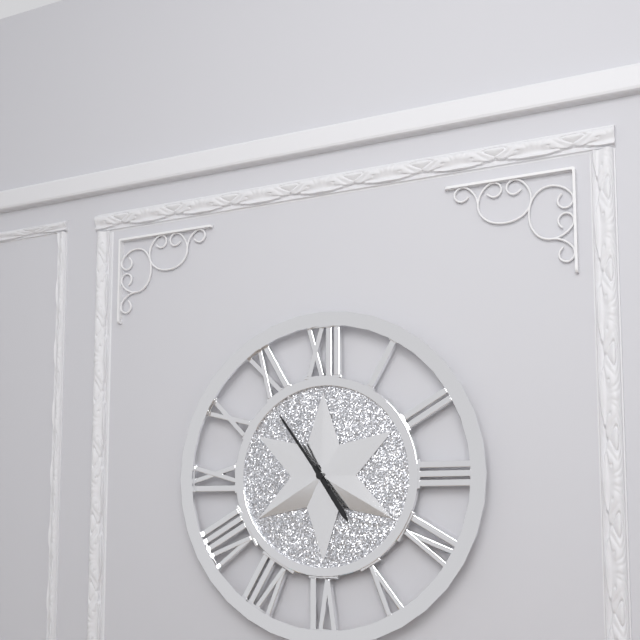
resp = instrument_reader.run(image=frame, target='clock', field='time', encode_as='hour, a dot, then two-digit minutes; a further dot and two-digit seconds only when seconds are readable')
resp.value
4.54
